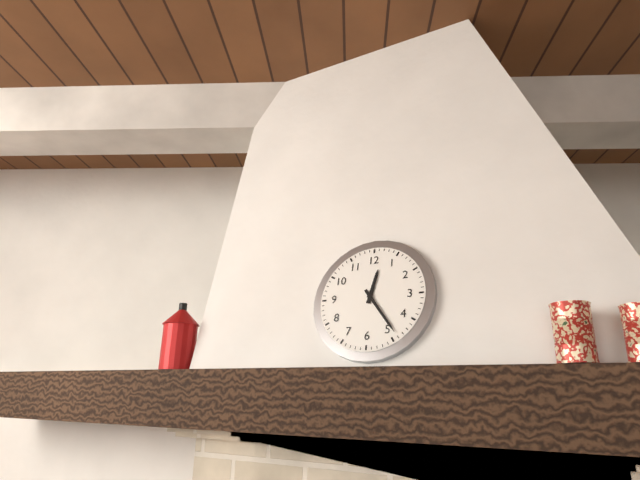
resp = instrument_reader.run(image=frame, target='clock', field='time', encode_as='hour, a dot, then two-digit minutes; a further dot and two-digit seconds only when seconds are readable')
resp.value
12.24
